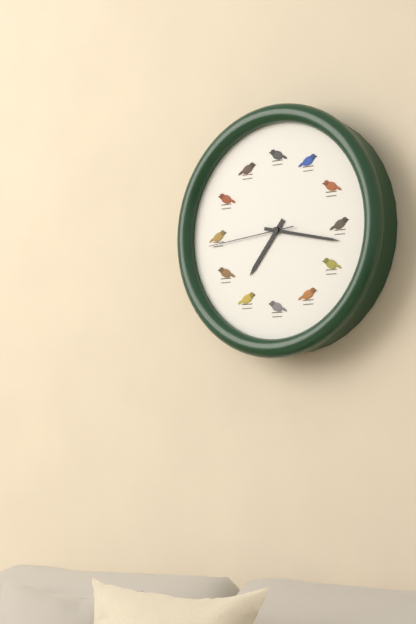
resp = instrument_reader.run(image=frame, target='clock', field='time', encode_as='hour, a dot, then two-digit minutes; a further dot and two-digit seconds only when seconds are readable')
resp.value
7.17.44
